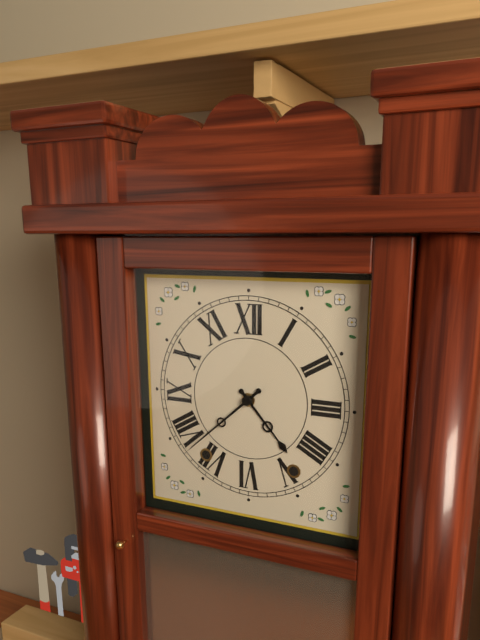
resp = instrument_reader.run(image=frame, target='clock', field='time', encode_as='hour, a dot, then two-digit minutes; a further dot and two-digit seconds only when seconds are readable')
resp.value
4.38
